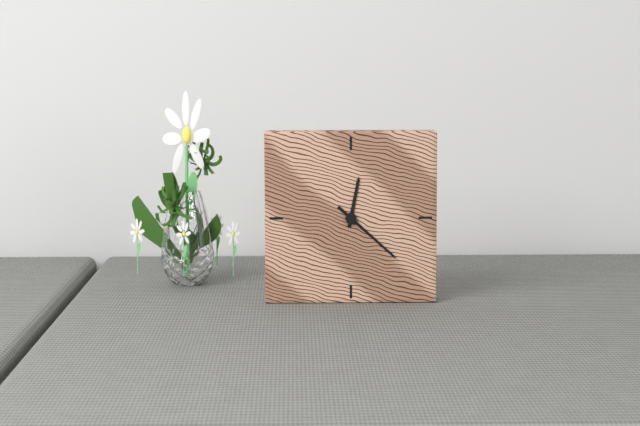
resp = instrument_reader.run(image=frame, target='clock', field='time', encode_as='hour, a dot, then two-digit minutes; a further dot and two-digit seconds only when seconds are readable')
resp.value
12.22
